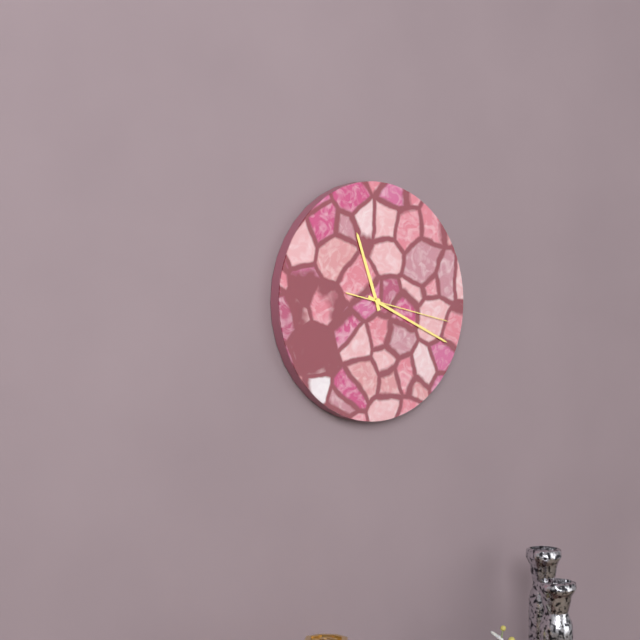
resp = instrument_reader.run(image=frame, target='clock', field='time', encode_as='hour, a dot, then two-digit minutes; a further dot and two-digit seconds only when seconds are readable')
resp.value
11.19.17
